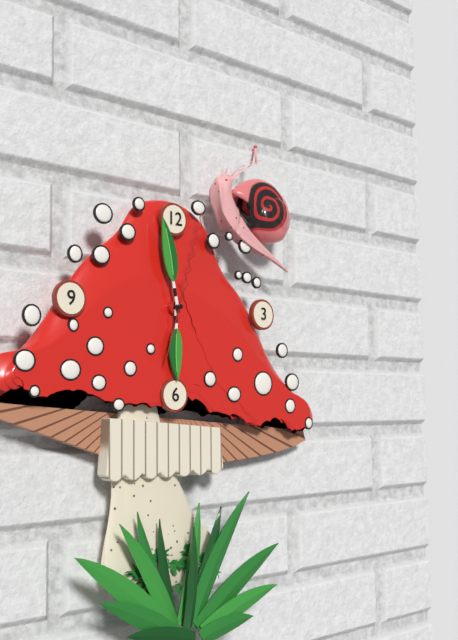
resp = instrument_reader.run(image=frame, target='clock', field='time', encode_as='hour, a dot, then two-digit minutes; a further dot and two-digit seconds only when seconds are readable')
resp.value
5.58.03
